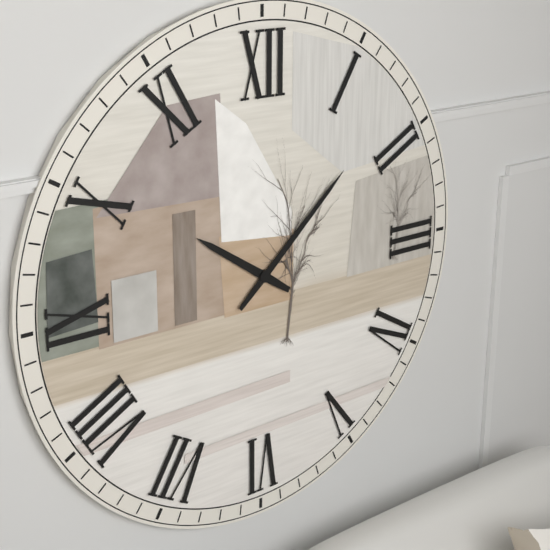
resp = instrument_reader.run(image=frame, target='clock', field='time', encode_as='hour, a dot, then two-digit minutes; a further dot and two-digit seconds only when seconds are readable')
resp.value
10.08
